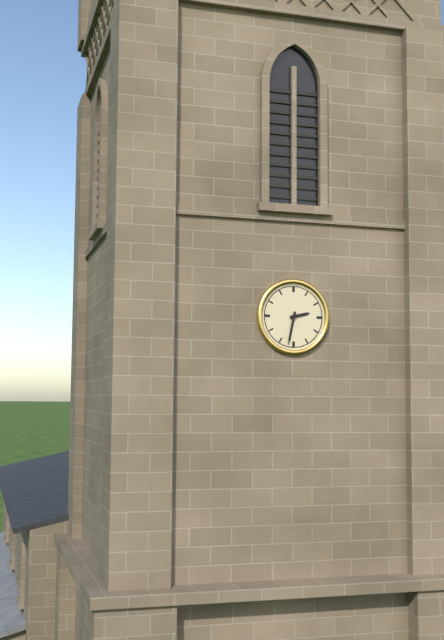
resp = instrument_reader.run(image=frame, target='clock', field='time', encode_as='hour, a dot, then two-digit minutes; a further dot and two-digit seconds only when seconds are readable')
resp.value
2.32
